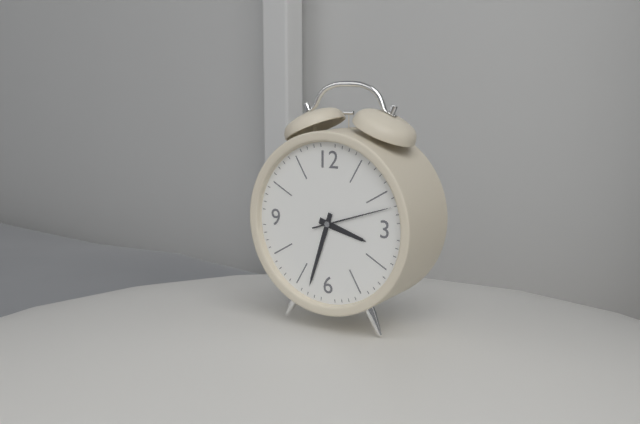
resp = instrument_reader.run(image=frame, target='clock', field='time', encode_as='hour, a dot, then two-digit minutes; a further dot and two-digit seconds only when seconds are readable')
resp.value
3.33.12
